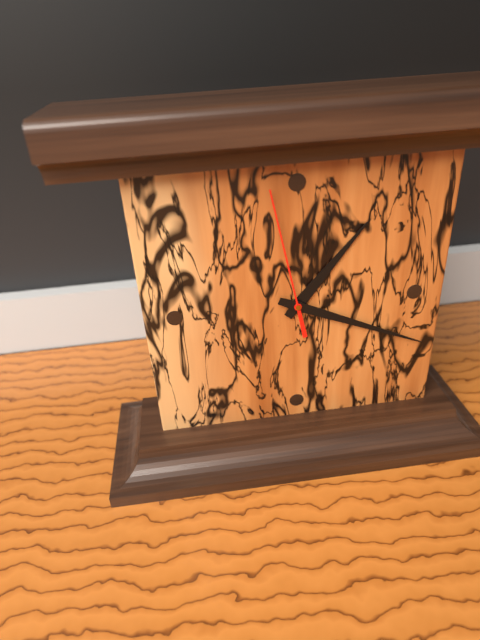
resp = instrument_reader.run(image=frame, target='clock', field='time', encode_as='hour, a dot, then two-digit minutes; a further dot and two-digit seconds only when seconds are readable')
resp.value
1.19.58
